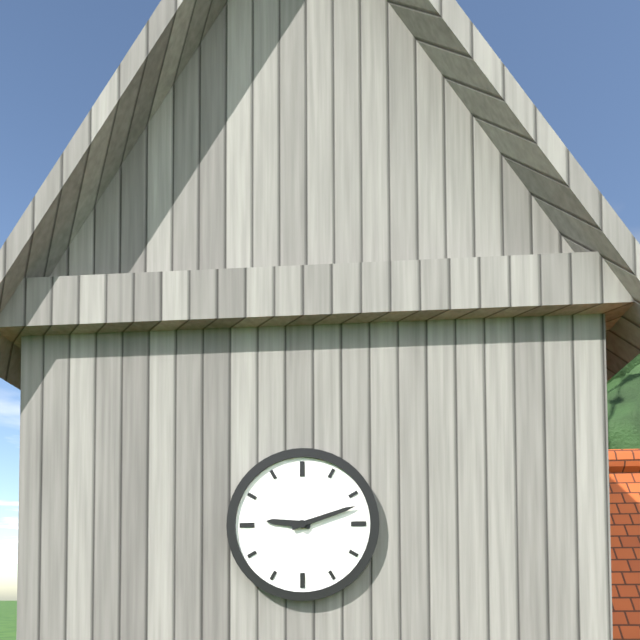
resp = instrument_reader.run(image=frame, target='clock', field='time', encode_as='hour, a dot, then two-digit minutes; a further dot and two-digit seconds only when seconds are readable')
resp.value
9.12
